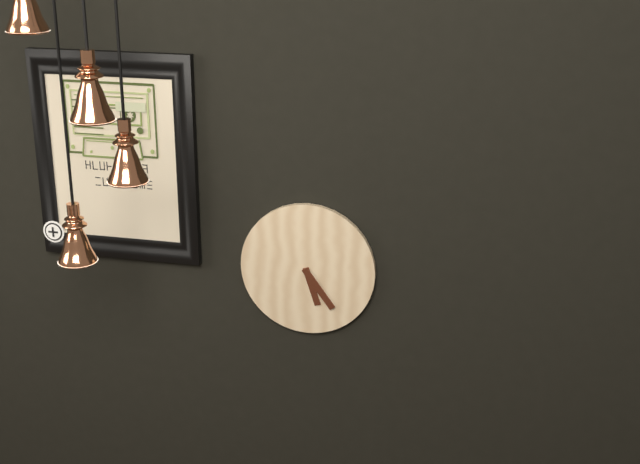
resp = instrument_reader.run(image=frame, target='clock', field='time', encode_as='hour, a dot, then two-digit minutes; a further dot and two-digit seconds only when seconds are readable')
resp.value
5.24
